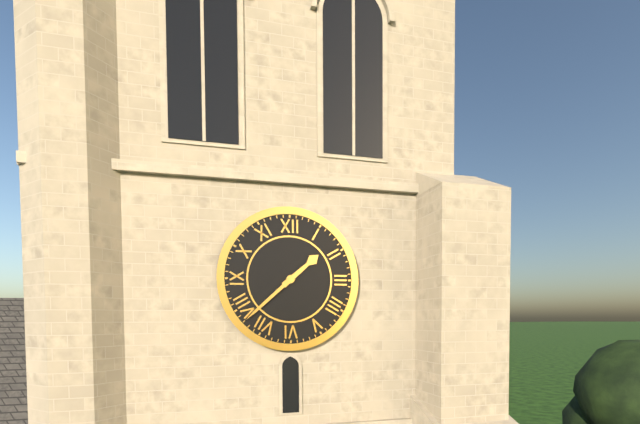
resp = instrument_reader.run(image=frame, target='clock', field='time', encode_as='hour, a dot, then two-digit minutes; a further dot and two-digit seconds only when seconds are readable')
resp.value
1.38
